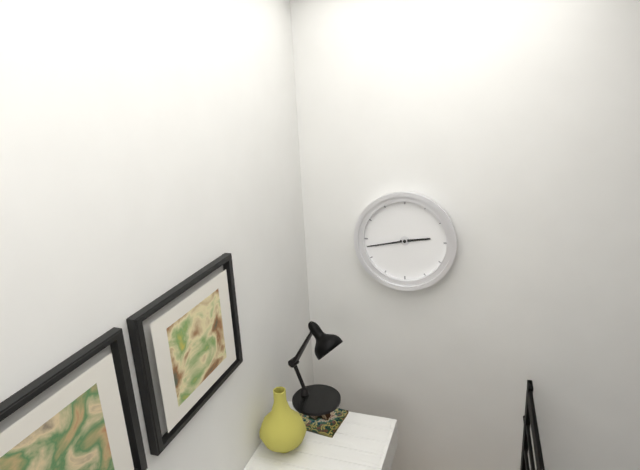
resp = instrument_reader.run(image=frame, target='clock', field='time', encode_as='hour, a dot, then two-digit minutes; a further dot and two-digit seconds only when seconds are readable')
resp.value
2.43
